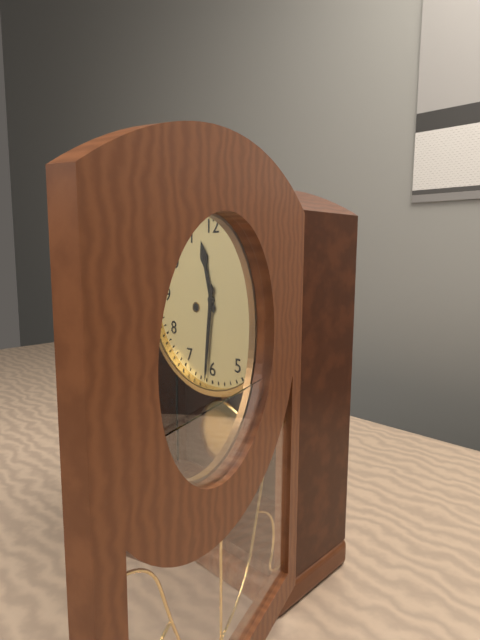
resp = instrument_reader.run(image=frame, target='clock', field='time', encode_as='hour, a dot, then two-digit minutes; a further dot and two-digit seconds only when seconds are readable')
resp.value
11.31
